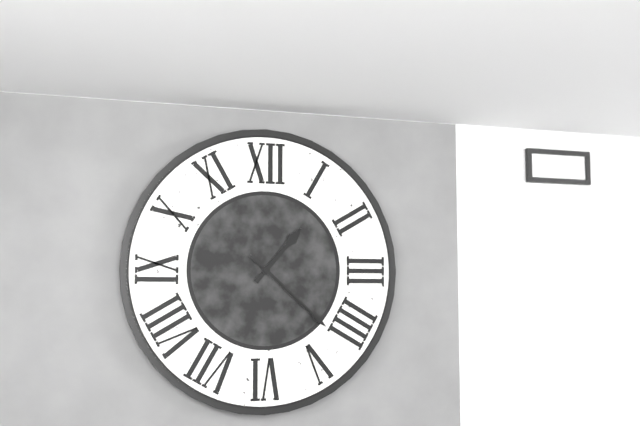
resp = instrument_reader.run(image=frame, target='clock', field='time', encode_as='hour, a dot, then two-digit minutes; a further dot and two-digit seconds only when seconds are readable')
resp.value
1.22
